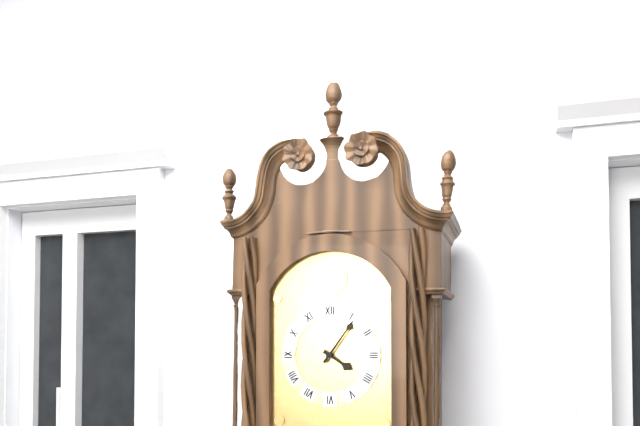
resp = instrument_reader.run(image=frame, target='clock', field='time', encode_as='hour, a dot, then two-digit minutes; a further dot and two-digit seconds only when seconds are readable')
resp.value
4.06
